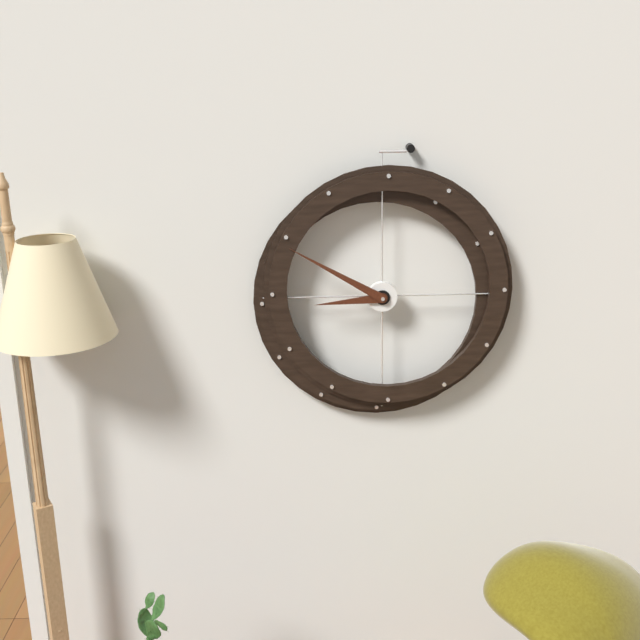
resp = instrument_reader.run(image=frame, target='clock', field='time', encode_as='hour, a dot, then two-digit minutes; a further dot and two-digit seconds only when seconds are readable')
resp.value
8.50
